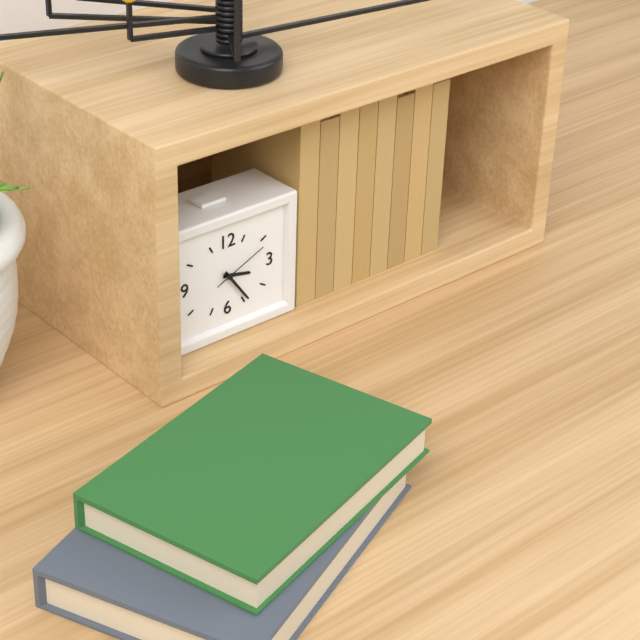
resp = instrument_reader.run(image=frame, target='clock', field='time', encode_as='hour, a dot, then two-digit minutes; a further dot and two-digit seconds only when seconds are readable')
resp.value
3.24.11
